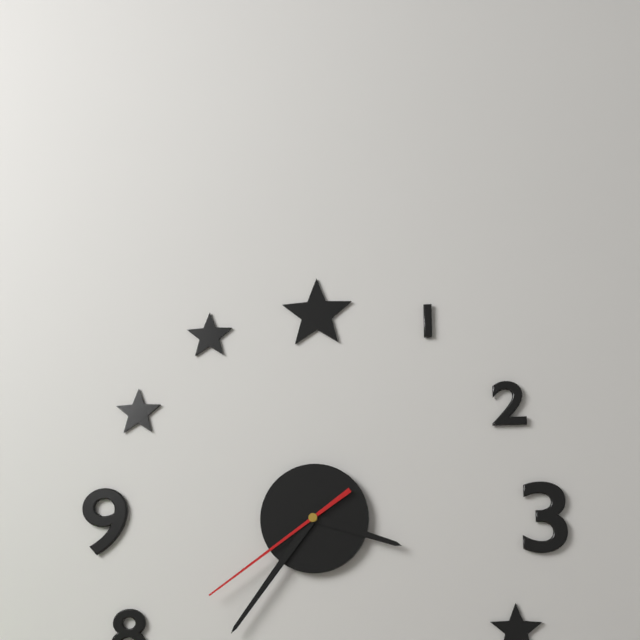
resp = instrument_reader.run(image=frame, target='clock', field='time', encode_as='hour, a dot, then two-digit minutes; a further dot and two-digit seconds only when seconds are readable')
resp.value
3.36.39
